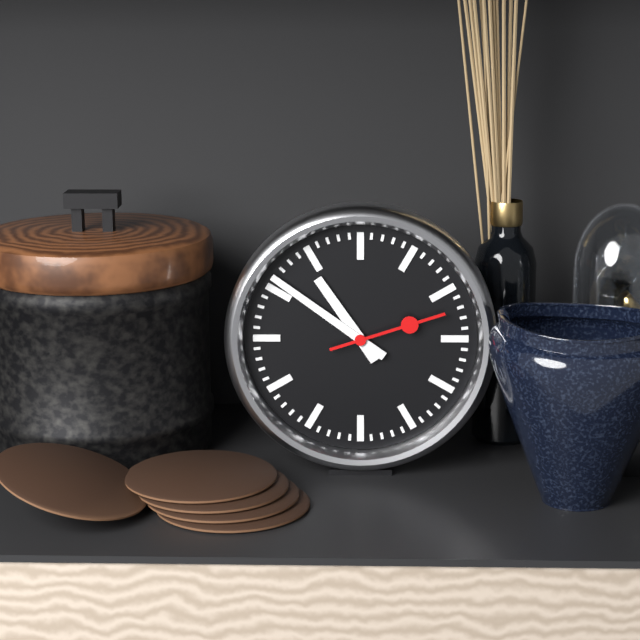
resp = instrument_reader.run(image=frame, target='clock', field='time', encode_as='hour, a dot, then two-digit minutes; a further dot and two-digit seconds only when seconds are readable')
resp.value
10.51.12
